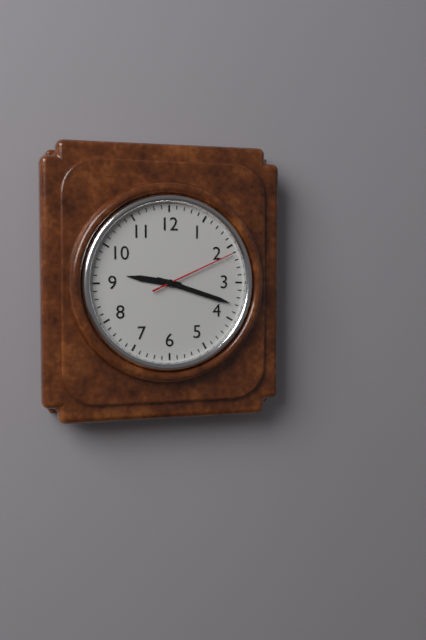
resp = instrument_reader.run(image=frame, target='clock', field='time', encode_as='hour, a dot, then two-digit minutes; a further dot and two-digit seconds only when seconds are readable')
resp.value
9.18.11
